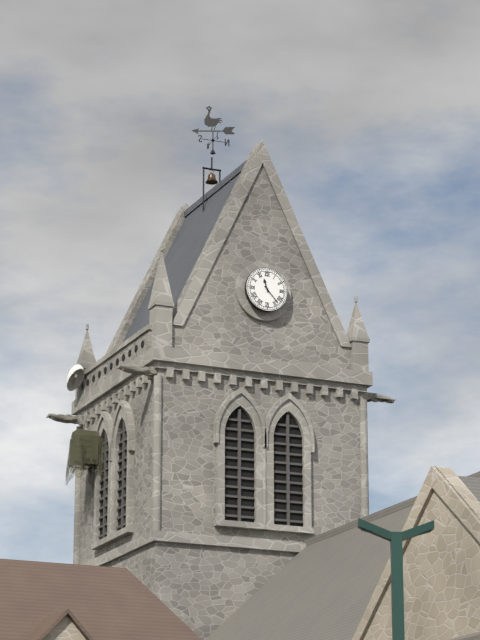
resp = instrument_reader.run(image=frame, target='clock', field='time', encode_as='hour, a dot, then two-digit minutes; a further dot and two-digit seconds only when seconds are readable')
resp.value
11.23
